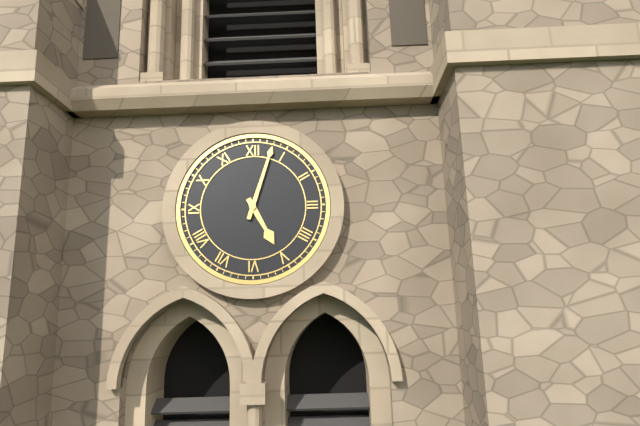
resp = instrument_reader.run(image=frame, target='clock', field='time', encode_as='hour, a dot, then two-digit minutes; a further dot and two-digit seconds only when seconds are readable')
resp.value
5.03
